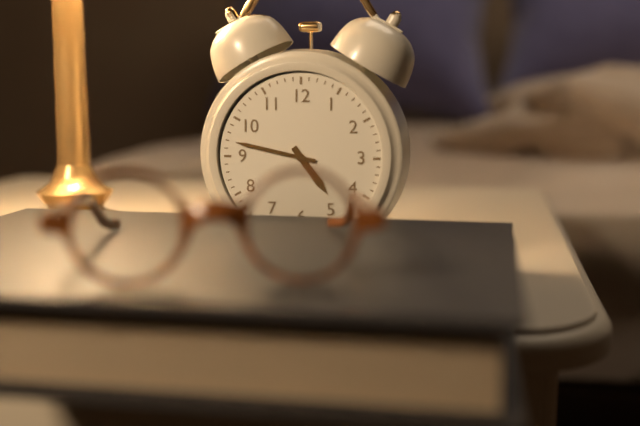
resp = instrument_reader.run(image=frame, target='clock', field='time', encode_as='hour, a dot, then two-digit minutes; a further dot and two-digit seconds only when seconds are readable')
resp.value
4.47
